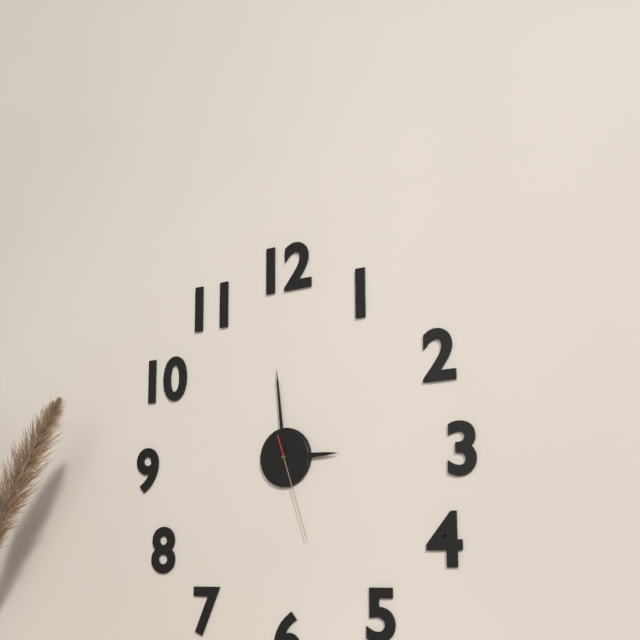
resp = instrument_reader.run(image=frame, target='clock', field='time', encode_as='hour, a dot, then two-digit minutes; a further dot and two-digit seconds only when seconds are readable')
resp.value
2.59.27
